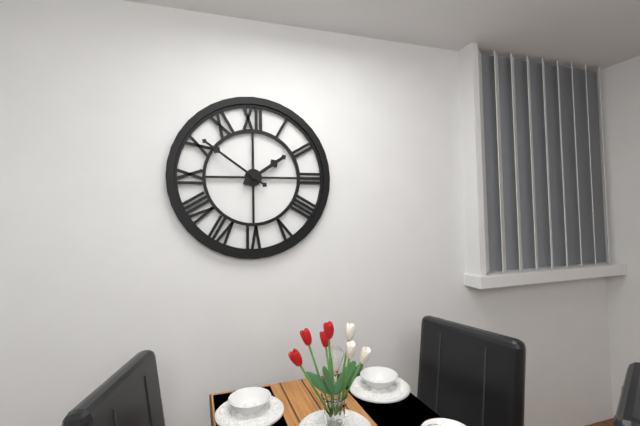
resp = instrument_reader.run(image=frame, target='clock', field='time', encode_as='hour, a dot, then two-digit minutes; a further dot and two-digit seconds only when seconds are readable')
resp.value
1.51
